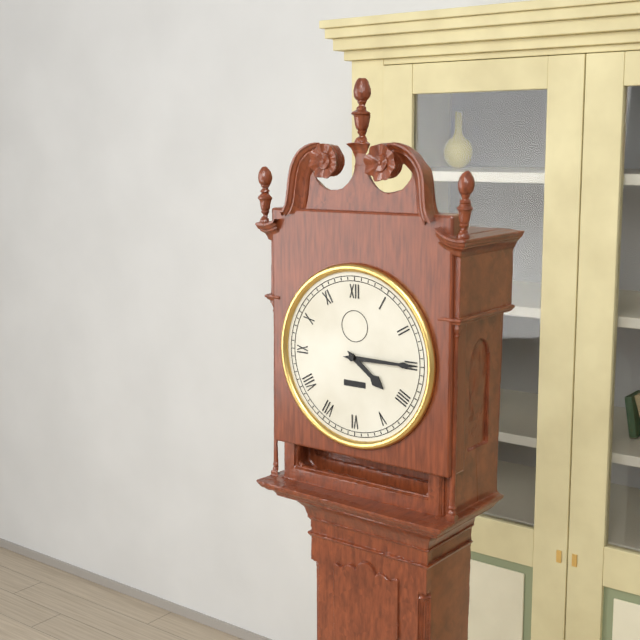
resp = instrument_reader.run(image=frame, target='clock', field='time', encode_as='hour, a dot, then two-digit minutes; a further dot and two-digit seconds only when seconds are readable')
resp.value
4.15
